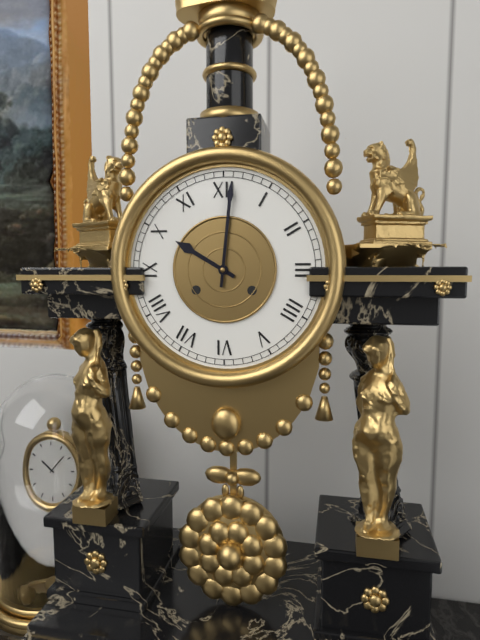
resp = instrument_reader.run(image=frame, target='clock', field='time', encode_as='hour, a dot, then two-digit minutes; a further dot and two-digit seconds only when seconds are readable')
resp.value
10.01
